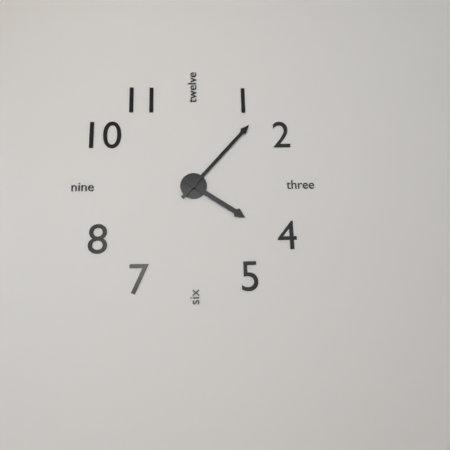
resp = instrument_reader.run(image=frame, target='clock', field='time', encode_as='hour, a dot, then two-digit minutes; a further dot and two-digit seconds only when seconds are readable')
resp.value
4.07
